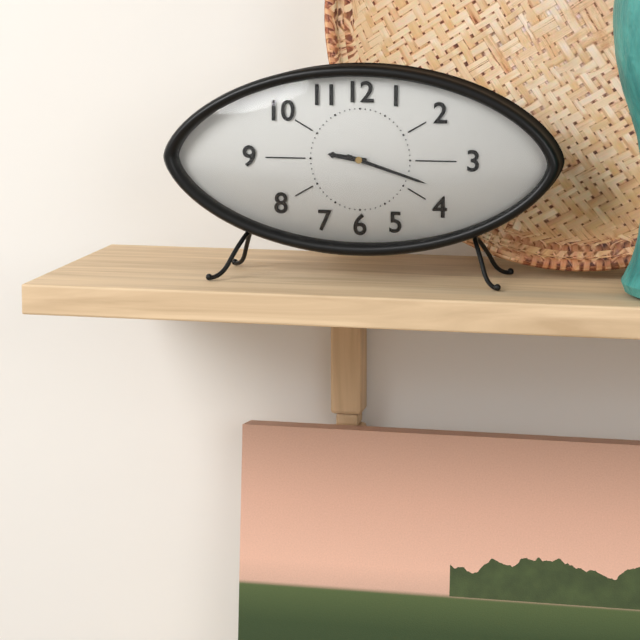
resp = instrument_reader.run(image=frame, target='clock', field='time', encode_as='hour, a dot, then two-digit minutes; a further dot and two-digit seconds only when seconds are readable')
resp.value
9.18
